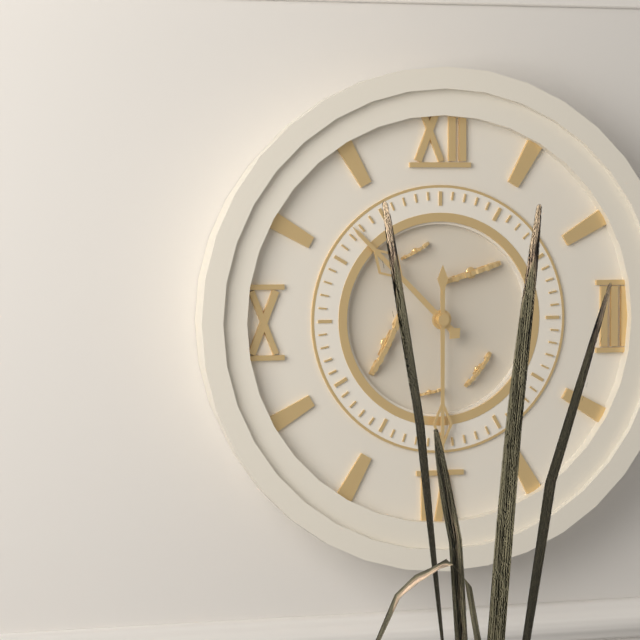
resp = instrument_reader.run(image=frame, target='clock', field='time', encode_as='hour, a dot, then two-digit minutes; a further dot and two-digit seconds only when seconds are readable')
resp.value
10.30
